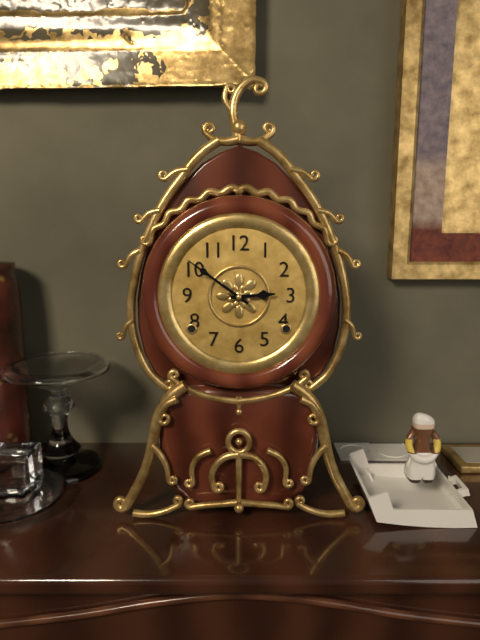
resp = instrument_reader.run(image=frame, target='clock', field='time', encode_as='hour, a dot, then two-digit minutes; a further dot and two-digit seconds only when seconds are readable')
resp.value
2.51
